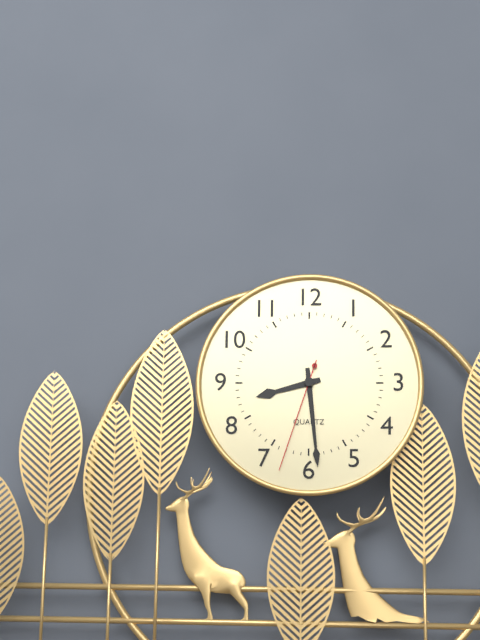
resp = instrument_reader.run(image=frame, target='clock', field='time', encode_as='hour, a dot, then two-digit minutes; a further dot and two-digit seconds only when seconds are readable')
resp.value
8.29.33
